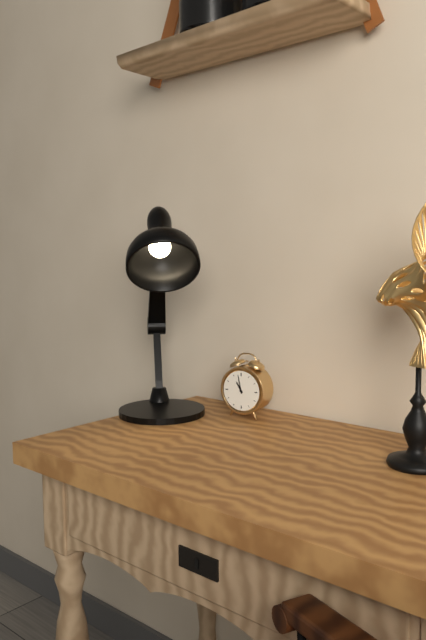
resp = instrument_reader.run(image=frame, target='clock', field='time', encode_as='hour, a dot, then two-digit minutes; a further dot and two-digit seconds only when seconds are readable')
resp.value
10.58
